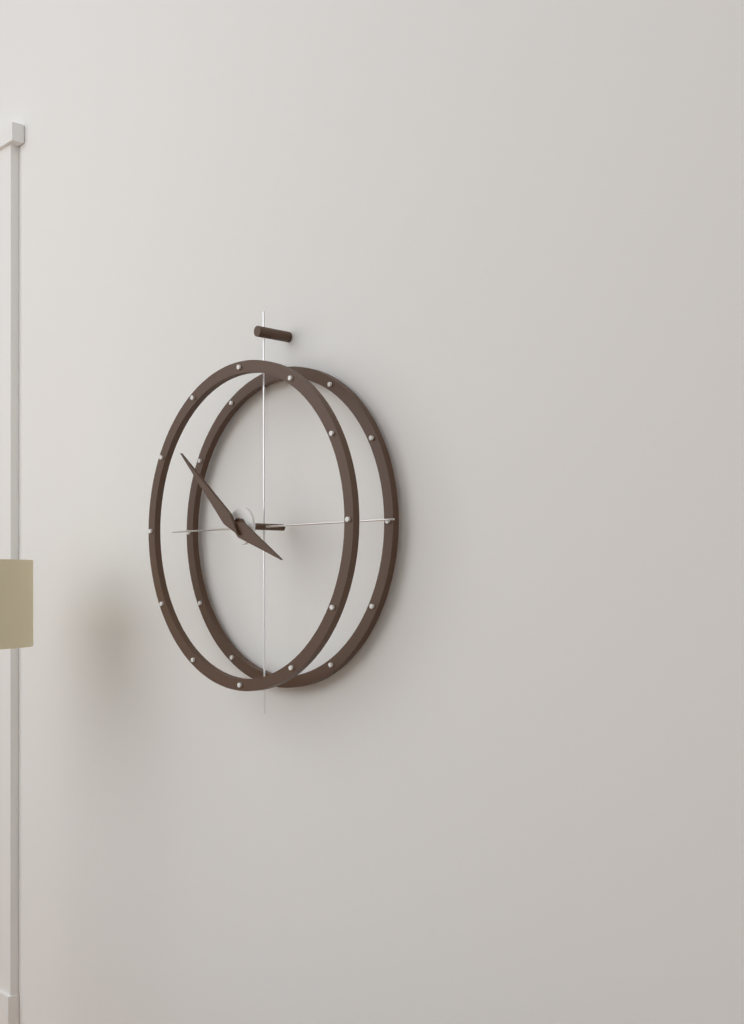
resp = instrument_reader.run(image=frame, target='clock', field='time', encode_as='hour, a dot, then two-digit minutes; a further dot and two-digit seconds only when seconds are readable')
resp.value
3.52
